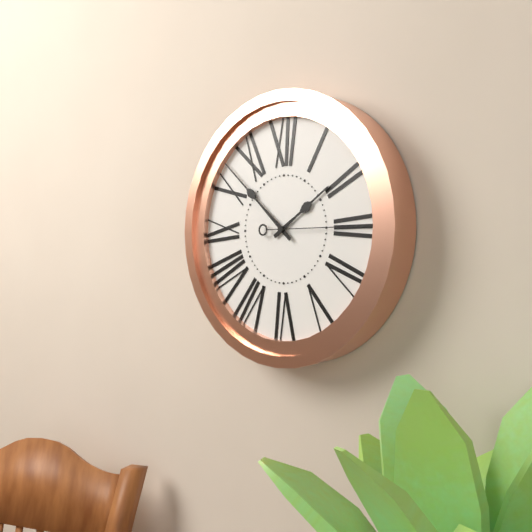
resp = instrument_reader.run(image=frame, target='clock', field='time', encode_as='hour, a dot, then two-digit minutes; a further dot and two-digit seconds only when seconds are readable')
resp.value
1.52.15
